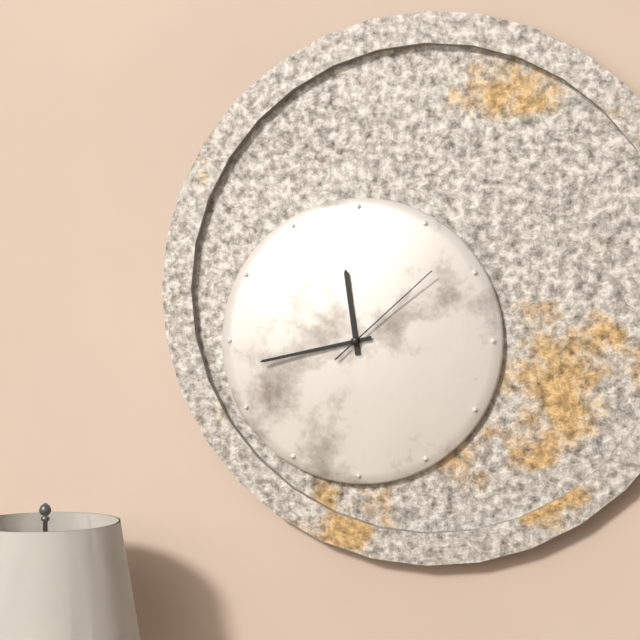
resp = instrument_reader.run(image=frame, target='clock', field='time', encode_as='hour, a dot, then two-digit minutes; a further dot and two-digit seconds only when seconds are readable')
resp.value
11.43.08
